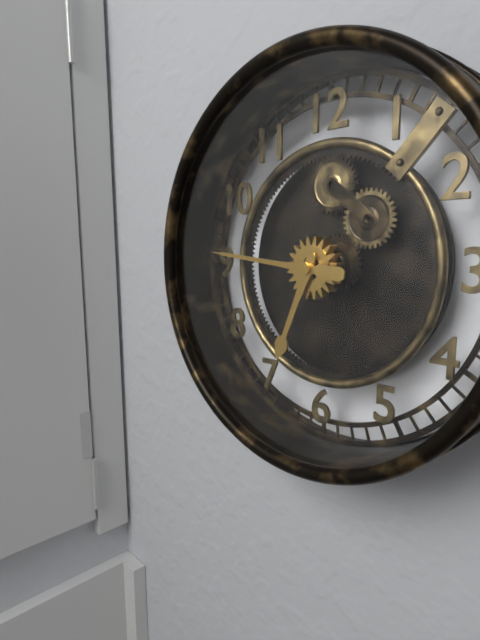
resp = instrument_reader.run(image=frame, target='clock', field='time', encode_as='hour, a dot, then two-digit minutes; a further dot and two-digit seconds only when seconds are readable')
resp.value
6.46
